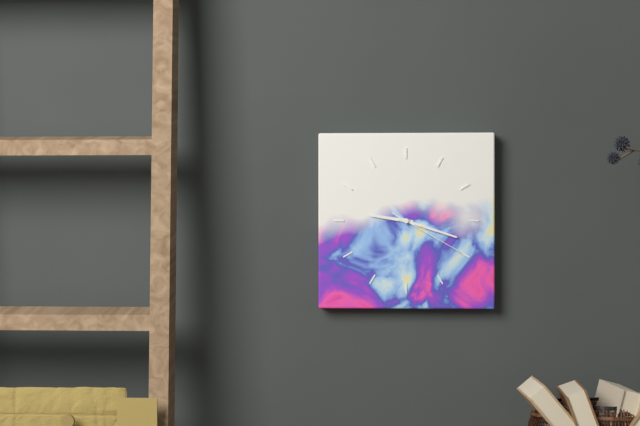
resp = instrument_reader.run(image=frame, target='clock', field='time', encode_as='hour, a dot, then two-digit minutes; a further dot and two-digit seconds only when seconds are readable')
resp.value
9.18.20
